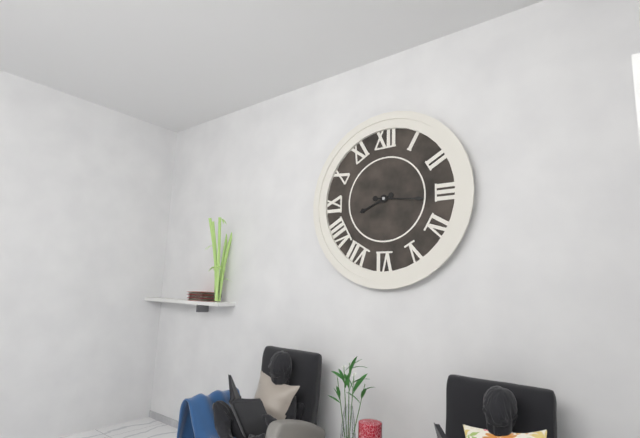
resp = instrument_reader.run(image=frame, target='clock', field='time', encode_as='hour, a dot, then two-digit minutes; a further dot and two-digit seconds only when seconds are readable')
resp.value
8.16
